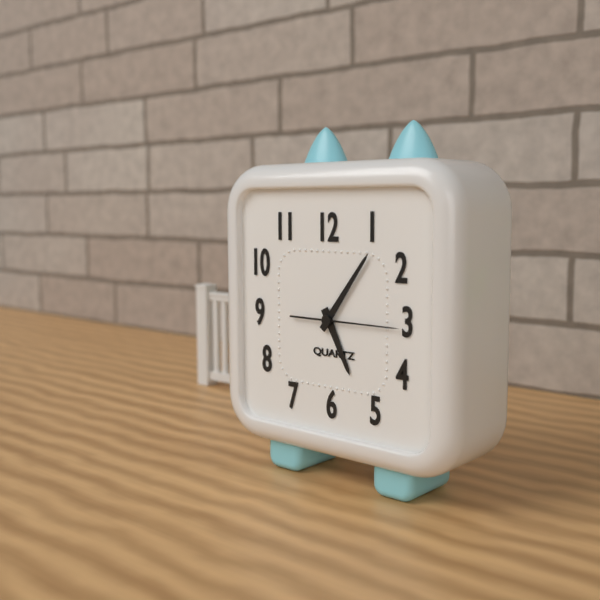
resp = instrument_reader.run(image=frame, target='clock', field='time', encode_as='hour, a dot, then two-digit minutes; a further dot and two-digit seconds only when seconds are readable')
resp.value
5.06.15
